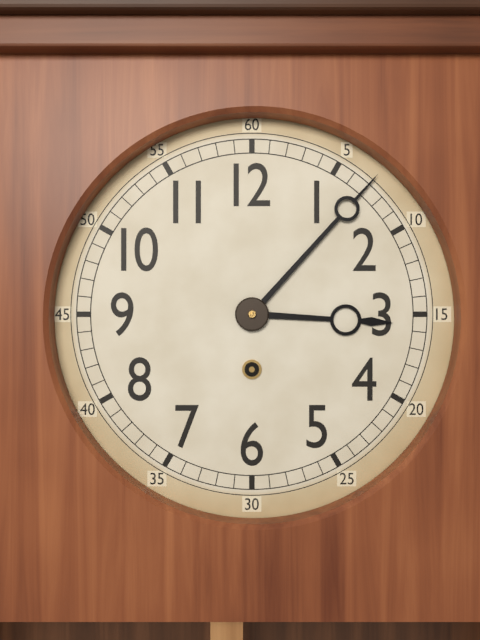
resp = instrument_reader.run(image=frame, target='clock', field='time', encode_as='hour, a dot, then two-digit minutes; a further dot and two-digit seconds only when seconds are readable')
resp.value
3.07
